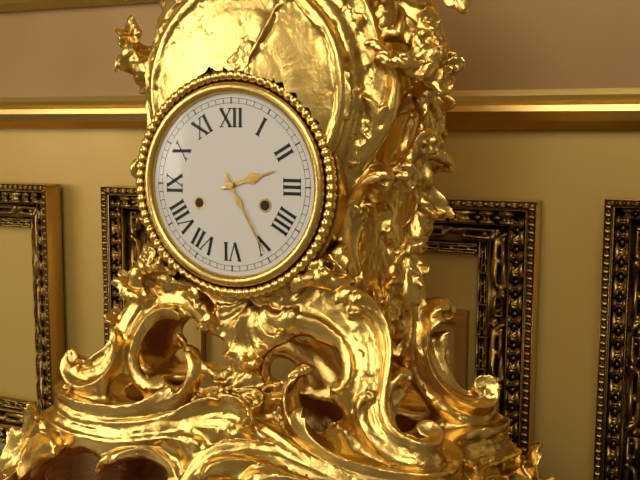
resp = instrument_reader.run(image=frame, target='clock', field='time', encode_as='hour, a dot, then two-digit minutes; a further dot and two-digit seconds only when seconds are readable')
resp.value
2.25
